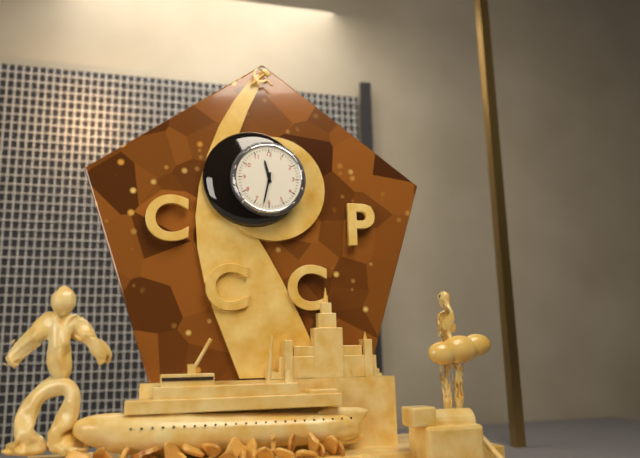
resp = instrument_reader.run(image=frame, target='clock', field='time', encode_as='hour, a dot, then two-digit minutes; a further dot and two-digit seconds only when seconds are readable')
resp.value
11.32
